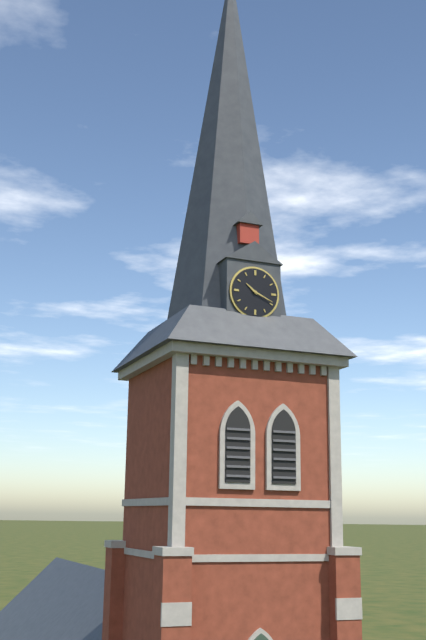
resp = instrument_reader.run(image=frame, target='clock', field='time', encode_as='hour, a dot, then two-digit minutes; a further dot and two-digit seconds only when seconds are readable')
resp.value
10.19
